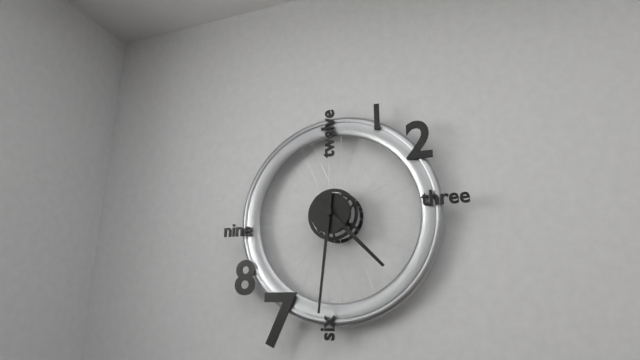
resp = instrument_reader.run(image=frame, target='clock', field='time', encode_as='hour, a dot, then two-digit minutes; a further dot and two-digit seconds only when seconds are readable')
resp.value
4.31
